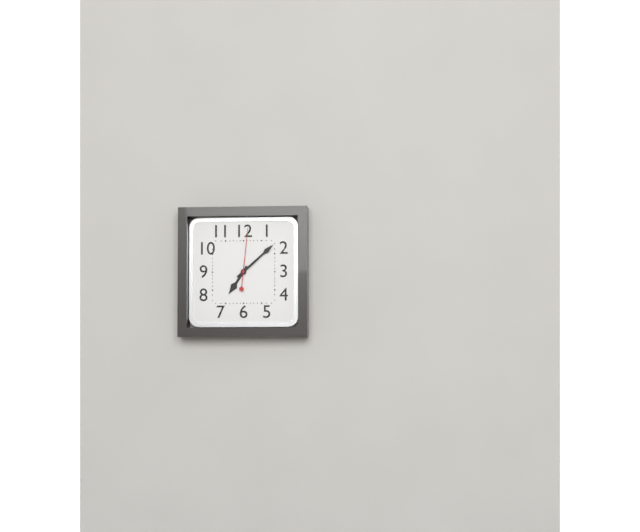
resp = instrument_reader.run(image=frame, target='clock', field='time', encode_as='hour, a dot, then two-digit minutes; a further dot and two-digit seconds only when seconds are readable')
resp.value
7.08.01
